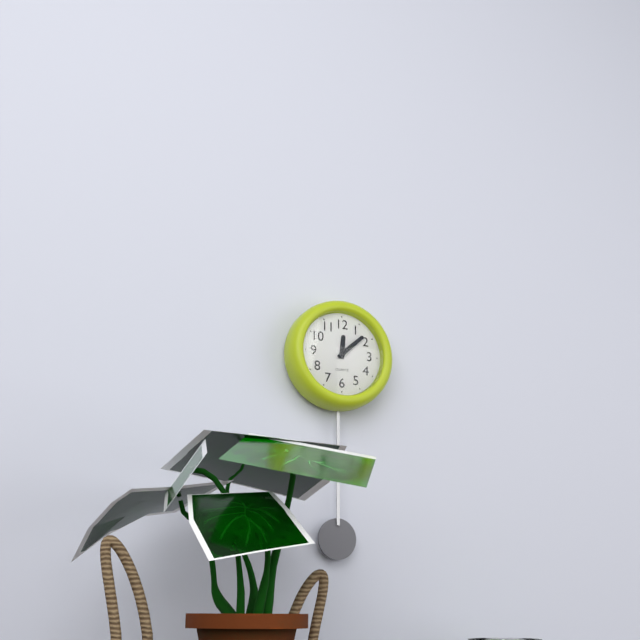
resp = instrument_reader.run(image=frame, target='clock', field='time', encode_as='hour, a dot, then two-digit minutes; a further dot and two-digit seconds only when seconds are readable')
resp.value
12.08
